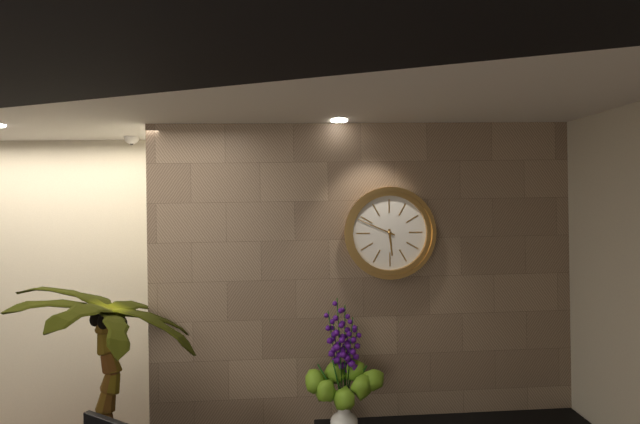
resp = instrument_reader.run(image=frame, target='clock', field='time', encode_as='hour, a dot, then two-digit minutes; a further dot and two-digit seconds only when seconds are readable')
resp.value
5.49
